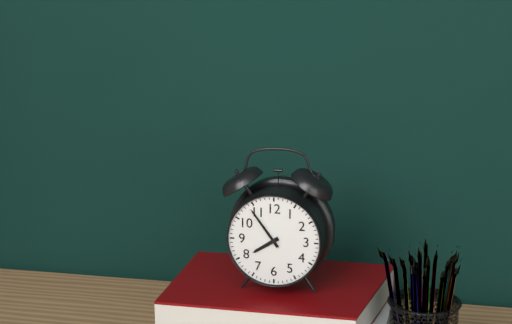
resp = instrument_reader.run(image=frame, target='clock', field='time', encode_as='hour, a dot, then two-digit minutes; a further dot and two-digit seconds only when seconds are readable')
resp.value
7.54
